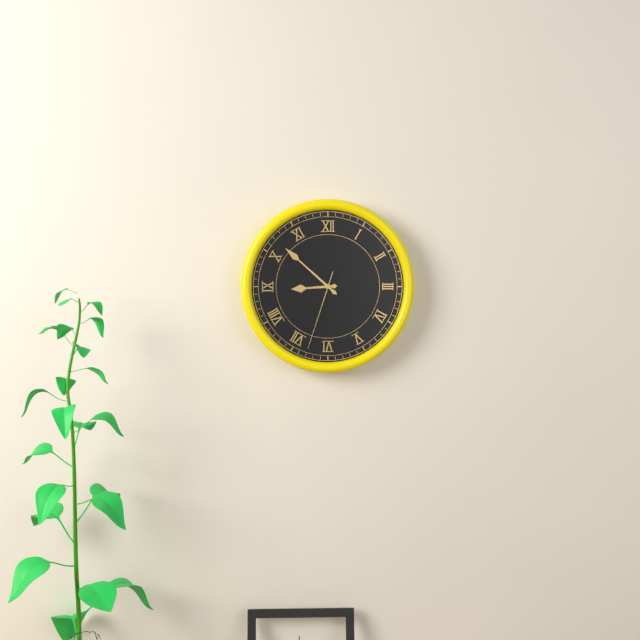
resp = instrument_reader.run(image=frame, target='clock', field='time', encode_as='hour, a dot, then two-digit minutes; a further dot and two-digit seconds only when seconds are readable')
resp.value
8.52.33
